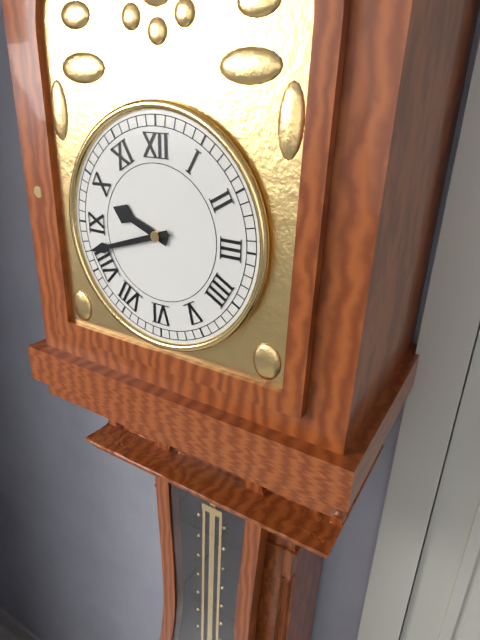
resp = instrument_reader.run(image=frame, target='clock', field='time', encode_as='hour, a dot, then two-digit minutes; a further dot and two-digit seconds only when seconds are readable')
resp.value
9.42
